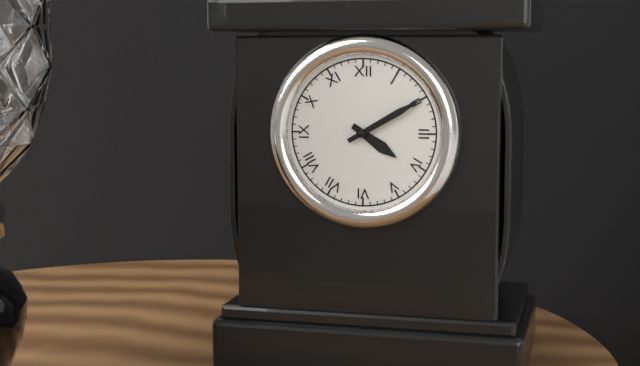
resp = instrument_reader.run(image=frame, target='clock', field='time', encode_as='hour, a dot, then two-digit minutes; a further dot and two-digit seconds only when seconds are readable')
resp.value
4.10
